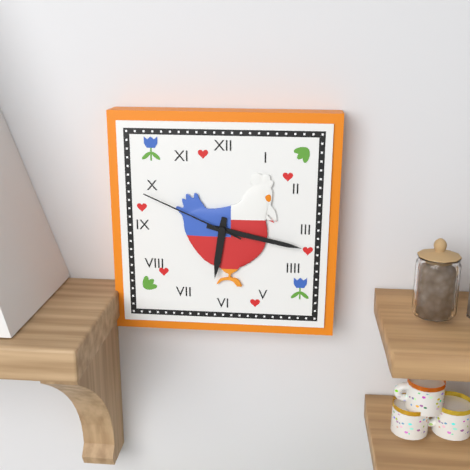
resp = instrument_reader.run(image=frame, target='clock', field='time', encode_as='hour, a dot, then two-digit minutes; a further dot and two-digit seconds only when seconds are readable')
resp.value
6.17.49
